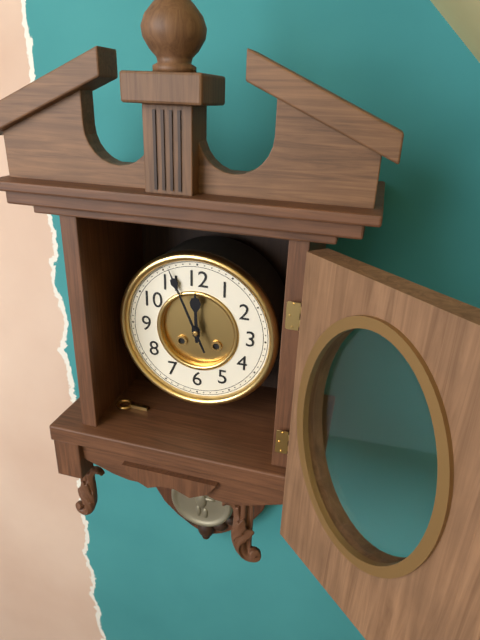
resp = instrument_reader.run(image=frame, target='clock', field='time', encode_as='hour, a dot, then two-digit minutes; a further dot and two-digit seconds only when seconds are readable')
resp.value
11.56
